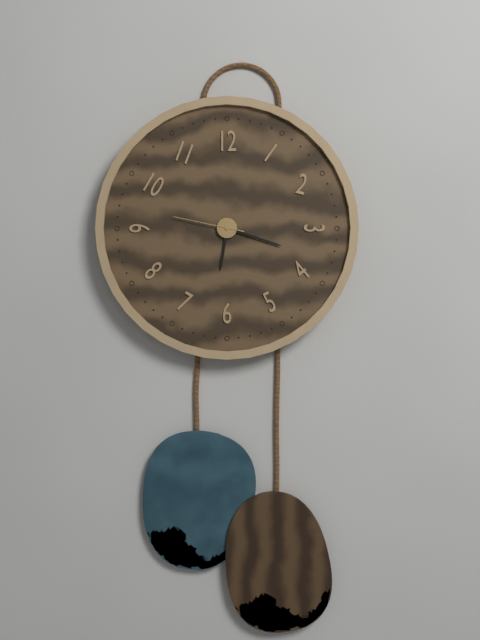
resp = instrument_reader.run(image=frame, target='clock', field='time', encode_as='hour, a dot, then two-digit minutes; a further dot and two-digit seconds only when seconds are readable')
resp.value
6.18.47
